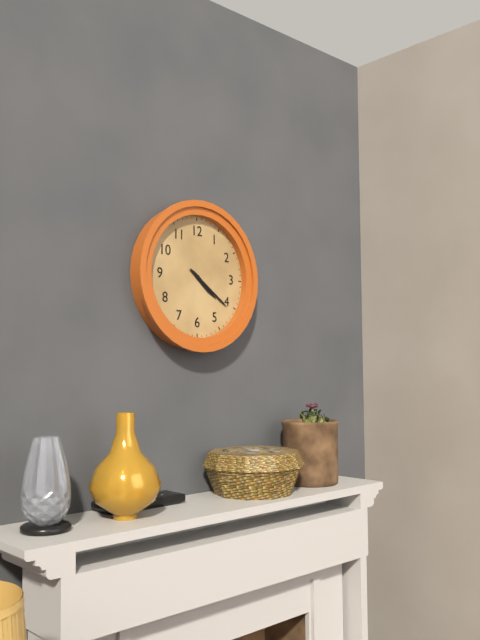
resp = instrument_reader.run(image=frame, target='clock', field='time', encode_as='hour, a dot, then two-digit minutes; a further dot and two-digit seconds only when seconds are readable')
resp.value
4.21
